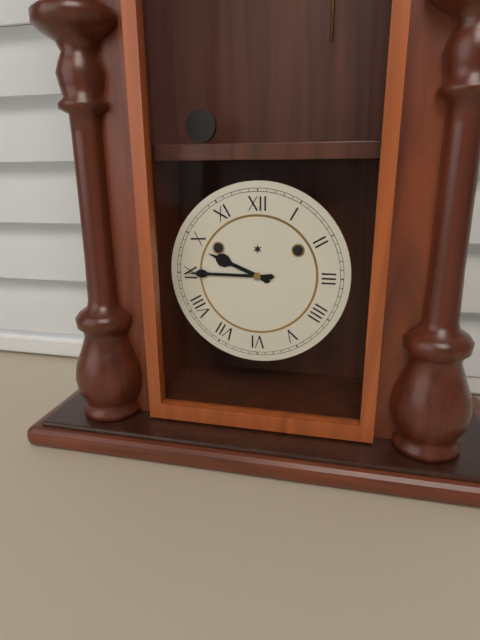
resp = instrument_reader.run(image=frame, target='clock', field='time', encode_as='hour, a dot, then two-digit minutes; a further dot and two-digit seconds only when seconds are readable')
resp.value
9.45
